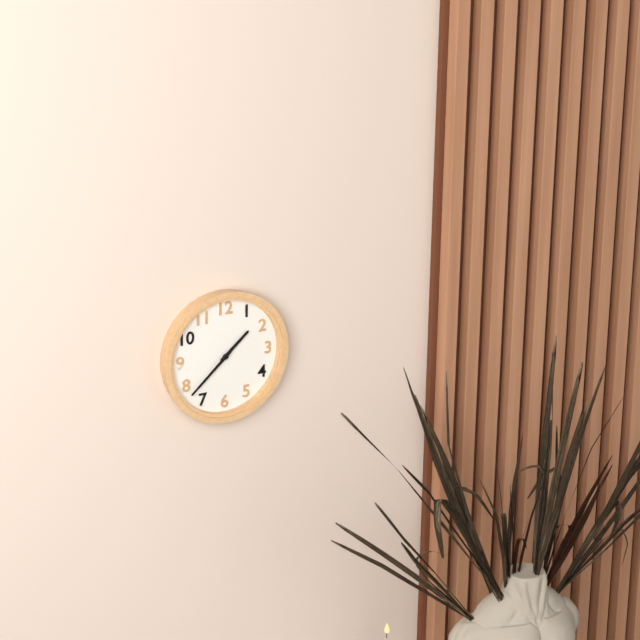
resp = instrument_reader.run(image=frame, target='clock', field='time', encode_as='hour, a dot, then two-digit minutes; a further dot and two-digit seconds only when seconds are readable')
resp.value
1.38
